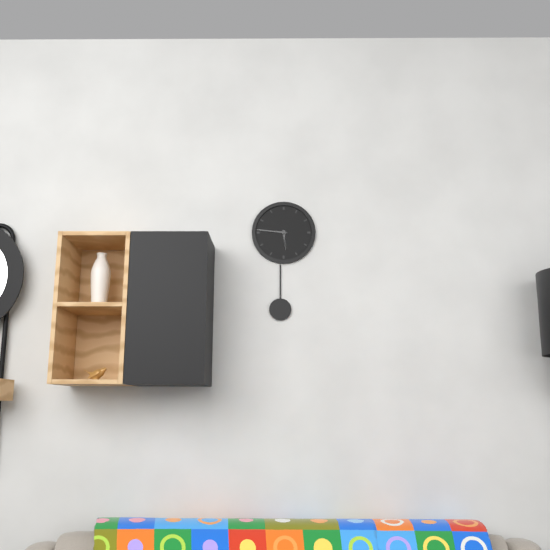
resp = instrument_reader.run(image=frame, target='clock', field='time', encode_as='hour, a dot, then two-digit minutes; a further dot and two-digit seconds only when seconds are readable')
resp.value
5.46
